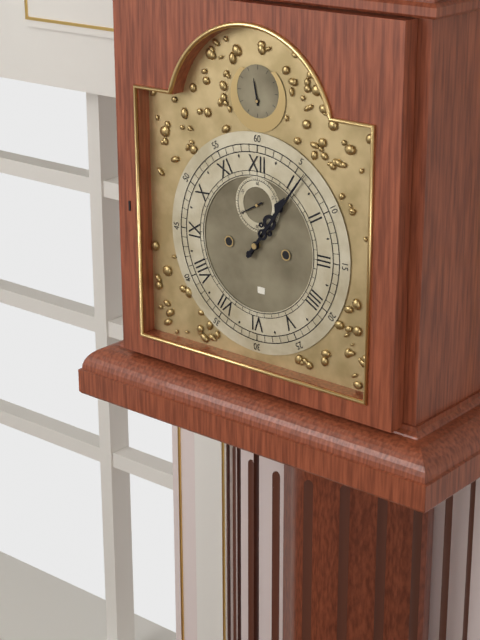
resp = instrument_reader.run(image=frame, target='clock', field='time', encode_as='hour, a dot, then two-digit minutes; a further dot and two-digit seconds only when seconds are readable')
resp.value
1.06
